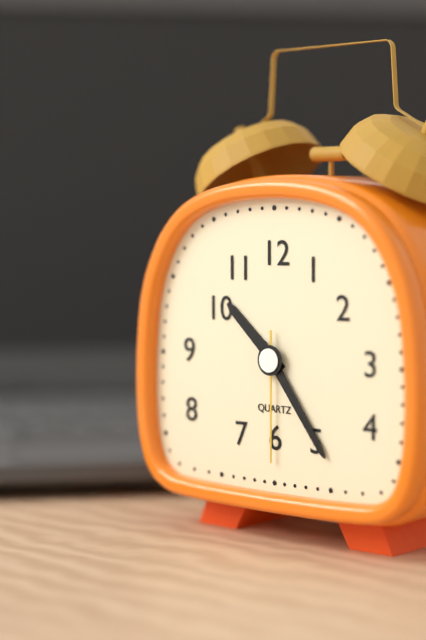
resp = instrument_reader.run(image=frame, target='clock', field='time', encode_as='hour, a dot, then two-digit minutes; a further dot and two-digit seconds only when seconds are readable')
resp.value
10.24.30
